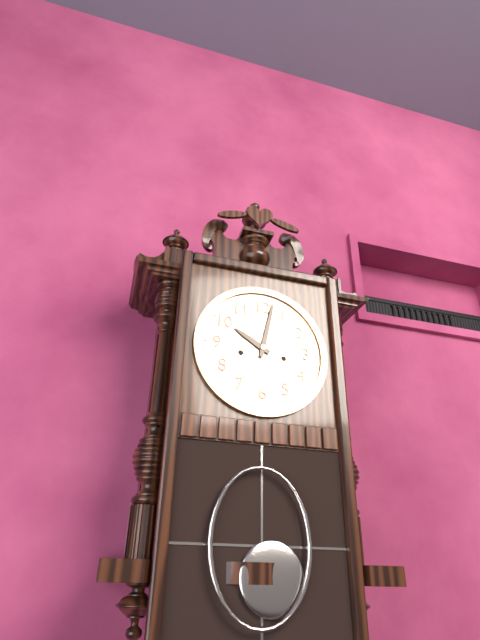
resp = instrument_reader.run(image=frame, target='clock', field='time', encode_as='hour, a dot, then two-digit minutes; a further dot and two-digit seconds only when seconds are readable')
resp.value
10.02
